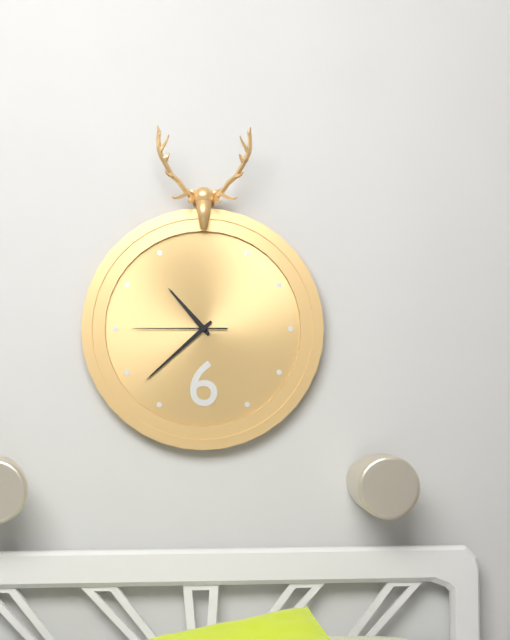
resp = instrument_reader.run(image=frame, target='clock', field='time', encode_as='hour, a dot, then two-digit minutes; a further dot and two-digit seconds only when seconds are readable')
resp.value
10.38.45
